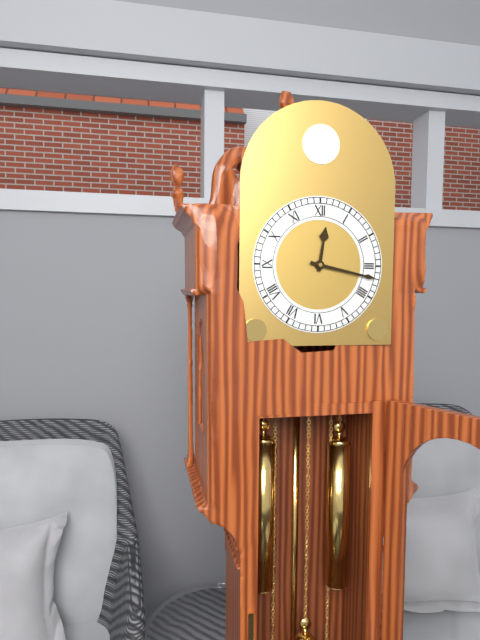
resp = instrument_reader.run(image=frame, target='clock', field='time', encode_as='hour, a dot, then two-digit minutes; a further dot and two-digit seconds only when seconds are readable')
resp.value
12.17
